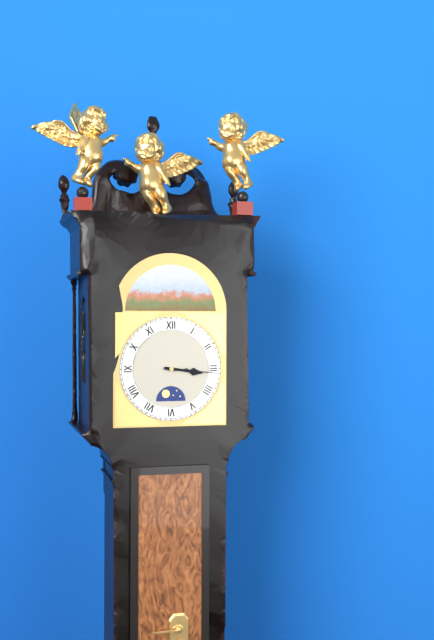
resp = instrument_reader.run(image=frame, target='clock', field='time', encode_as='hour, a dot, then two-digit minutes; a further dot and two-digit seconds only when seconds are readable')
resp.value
3.16
